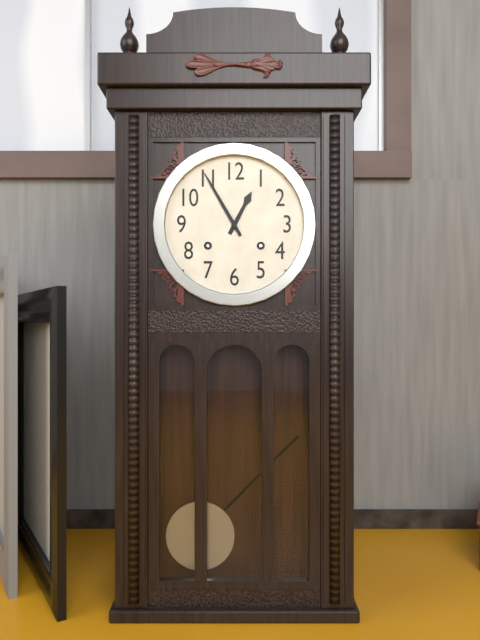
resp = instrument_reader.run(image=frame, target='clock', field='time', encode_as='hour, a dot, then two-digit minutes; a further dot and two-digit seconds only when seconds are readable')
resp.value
12.55
